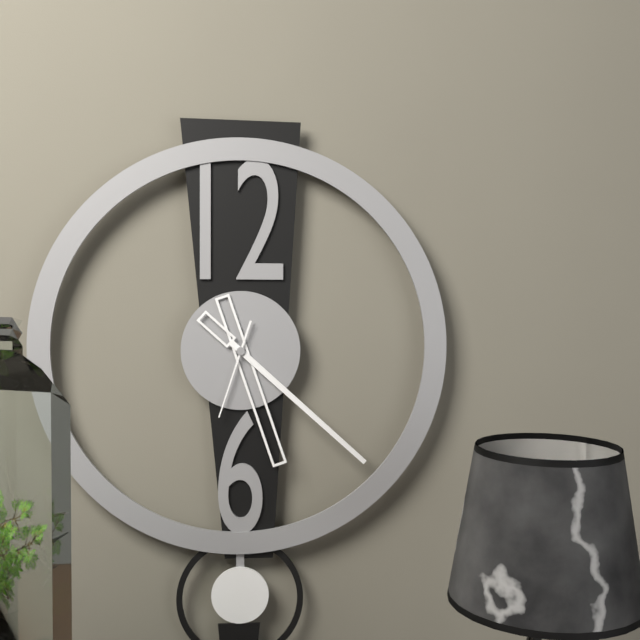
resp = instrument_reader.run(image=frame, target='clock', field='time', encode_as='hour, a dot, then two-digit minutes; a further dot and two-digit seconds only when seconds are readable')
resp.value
5.22.33
